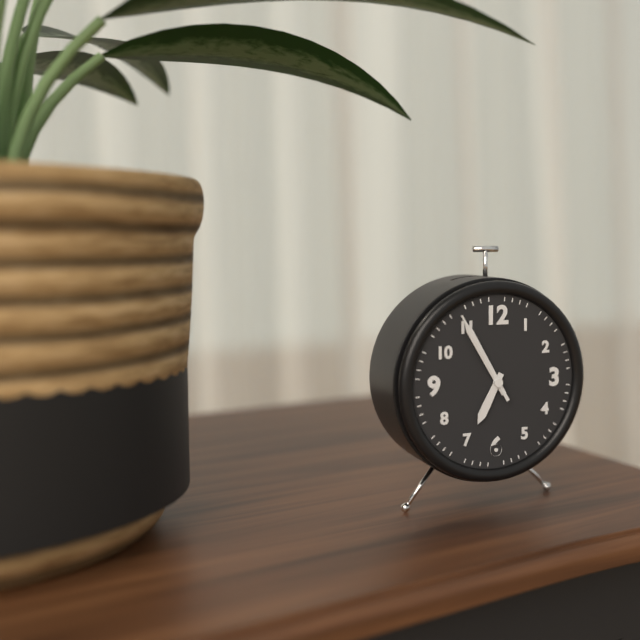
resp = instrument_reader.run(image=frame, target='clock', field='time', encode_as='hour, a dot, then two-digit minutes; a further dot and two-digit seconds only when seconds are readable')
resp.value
6.55.55
